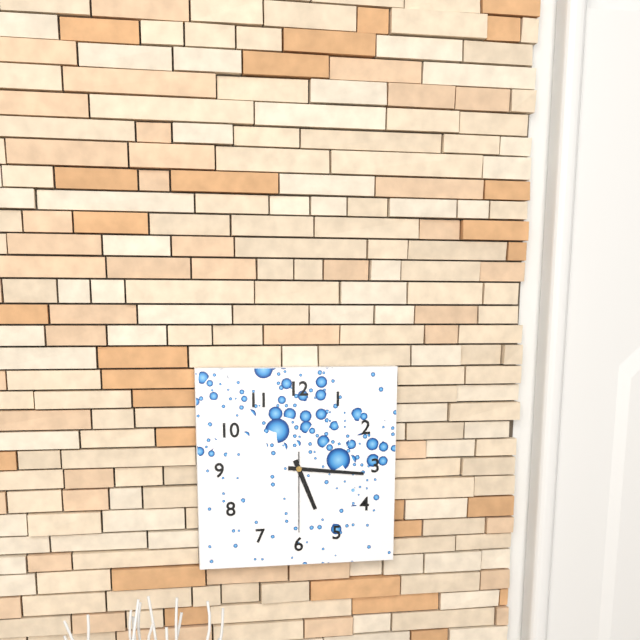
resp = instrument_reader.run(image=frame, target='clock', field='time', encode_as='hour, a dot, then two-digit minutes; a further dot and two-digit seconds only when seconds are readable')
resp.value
5.16.30
